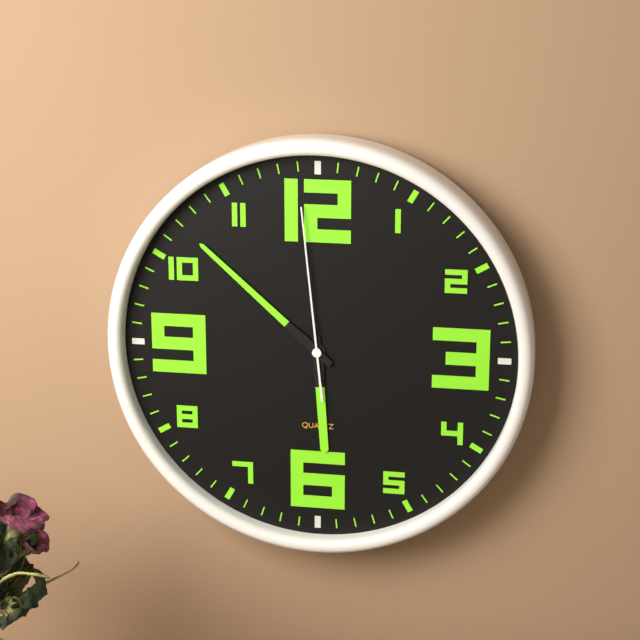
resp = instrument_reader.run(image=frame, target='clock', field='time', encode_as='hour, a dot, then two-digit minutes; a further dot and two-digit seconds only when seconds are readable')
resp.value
5.52.59
